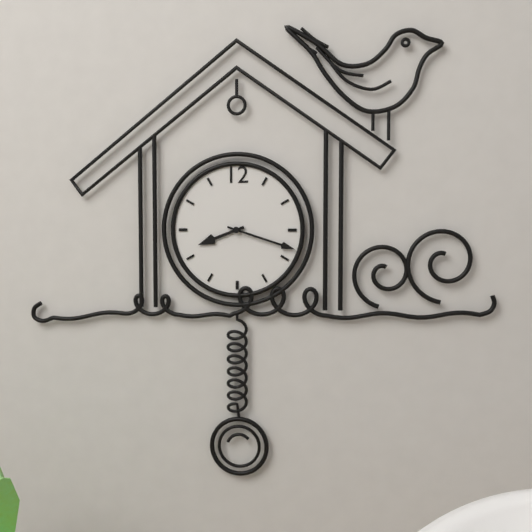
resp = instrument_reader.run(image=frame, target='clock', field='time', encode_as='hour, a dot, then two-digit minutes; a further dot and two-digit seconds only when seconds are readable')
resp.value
8.18
